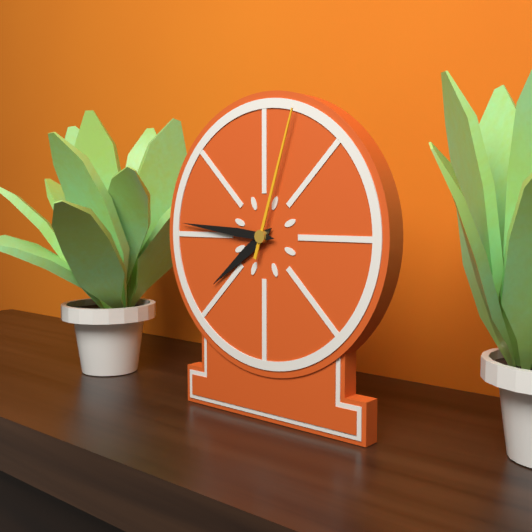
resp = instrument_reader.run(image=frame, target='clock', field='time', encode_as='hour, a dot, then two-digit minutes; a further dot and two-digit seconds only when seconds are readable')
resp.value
7.46.03
